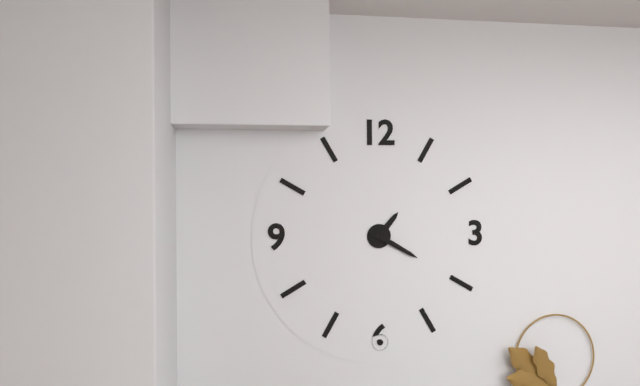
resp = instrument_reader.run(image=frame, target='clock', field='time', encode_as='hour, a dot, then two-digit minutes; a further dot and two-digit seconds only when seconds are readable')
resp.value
1.20
